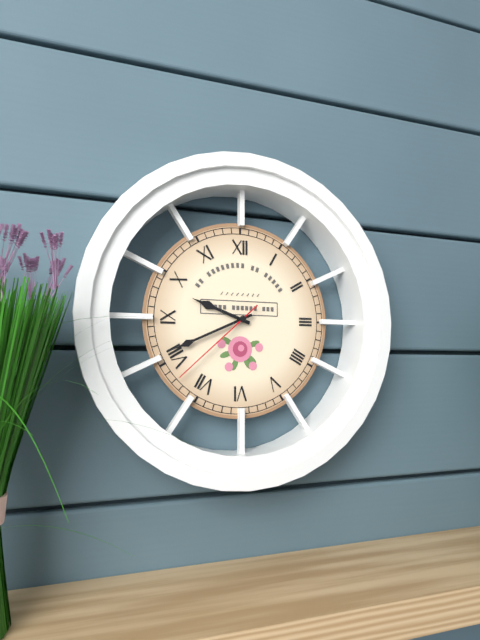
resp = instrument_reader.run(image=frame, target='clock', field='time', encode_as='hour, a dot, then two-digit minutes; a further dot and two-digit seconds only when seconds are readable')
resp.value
9.41.38
